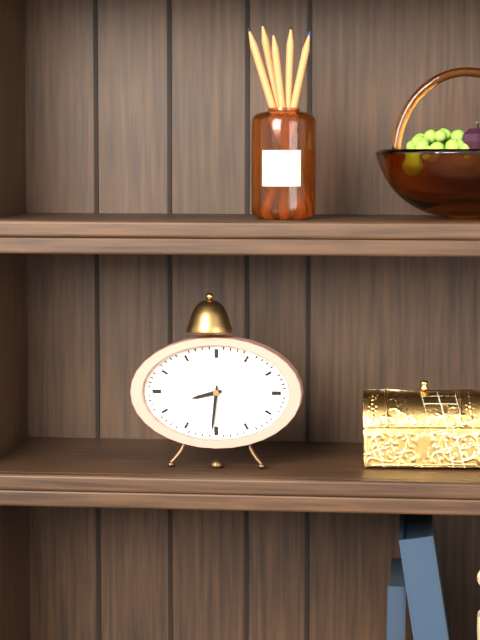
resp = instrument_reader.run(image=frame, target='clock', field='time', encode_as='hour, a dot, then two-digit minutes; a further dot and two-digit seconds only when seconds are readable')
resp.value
8.31
